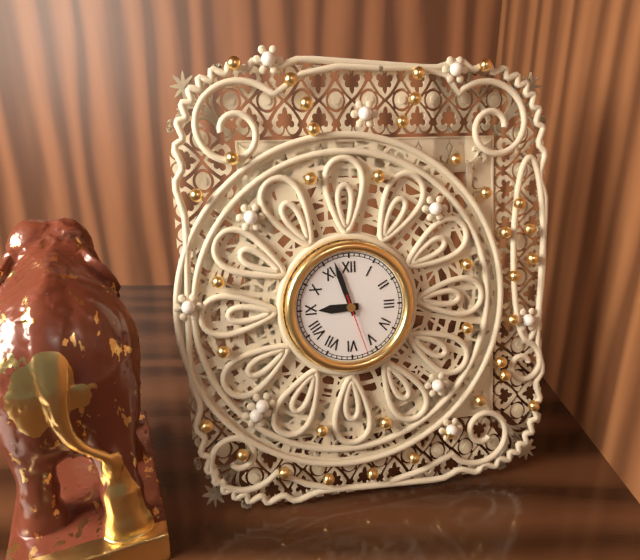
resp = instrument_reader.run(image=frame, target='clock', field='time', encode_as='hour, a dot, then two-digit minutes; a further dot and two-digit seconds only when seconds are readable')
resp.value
8.57.27
